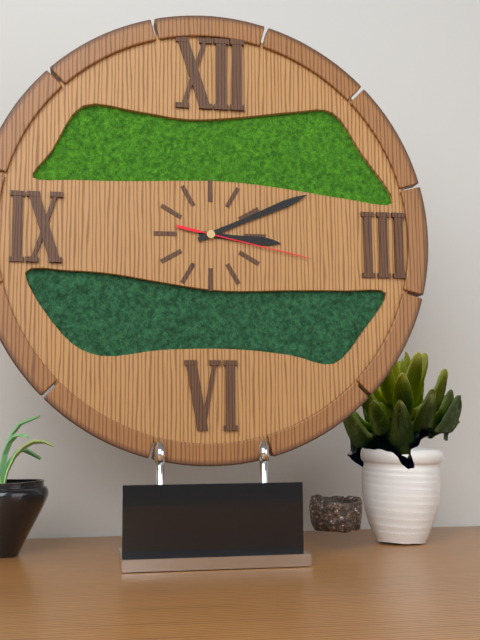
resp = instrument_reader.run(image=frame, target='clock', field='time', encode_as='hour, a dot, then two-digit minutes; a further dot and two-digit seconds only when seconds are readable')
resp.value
3.11.17
